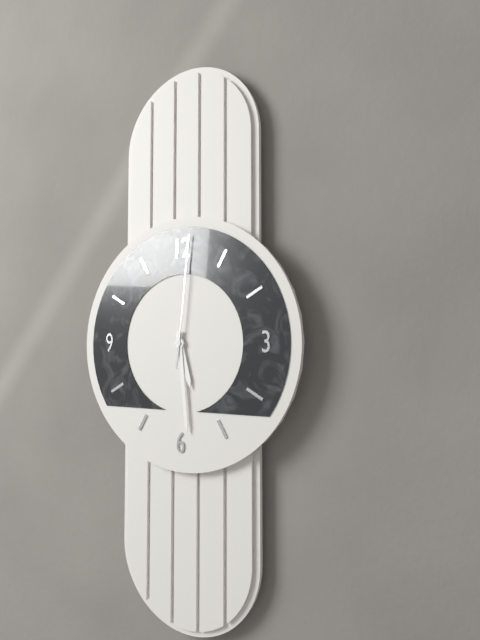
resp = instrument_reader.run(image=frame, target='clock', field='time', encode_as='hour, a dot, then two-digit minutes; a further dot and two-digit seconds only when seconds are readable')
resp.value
5.29.01
